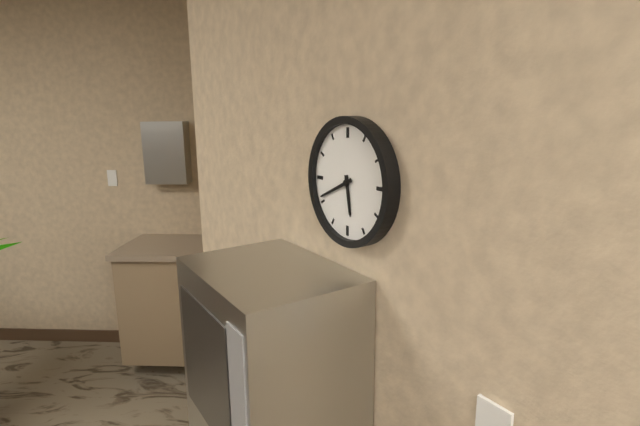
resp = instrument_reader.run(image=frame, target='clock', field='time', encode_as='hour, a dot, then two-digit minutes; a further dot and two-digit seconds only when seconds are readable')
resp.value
5.41
